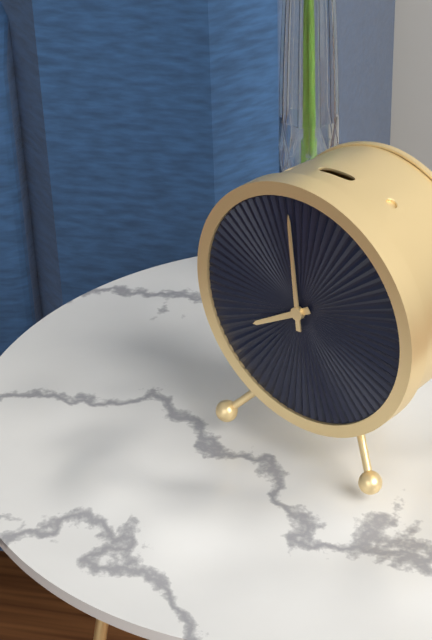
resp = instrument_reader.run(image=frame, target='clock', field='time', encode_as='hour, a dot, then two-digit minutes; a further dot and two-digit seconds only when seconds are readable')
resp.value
7.59
